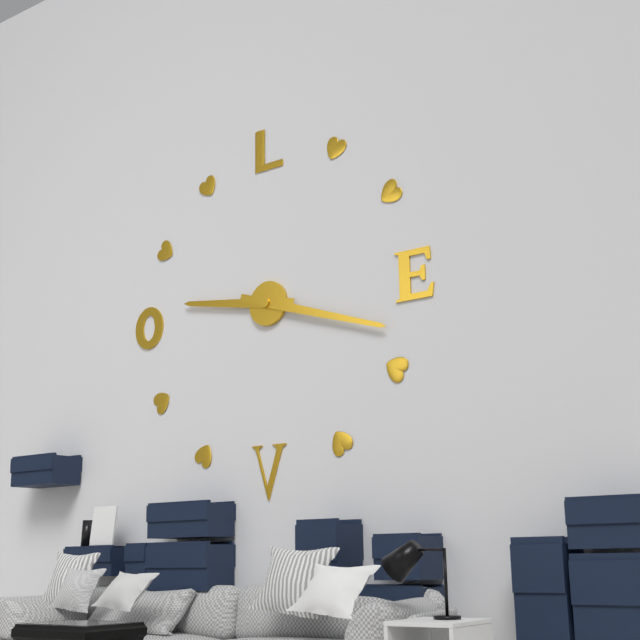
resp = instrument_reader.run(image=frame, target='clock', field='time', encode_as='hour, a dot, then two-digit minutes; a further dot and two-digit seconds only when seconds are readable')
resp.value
9.18
